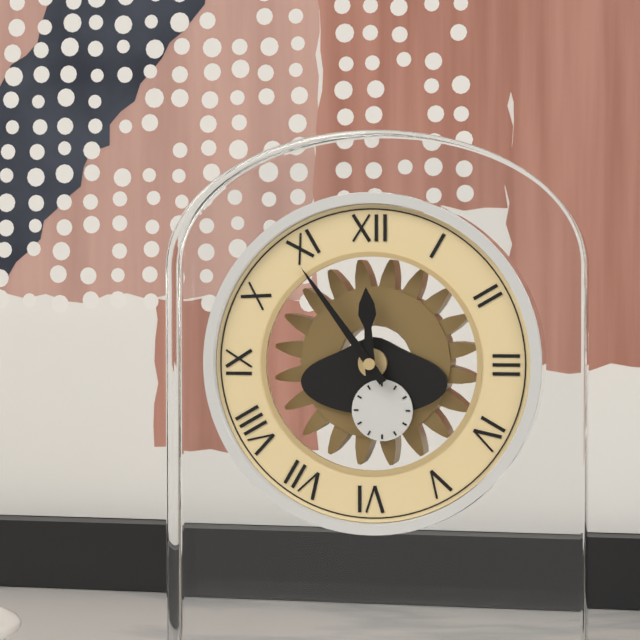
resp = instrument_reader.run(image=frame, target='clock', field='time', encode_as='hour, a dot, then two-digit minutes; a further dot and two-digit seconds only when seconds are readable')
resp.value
11.54
